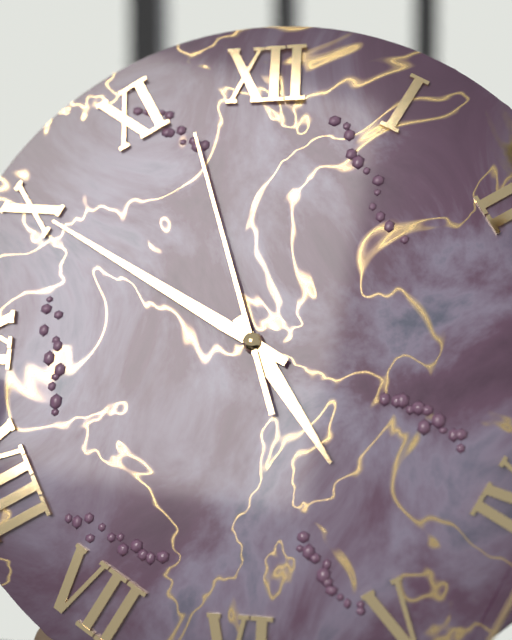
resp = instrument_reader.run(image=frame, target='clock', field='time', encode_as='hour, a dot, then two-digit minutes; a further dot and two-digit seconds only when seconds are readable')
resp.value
4.50.57
